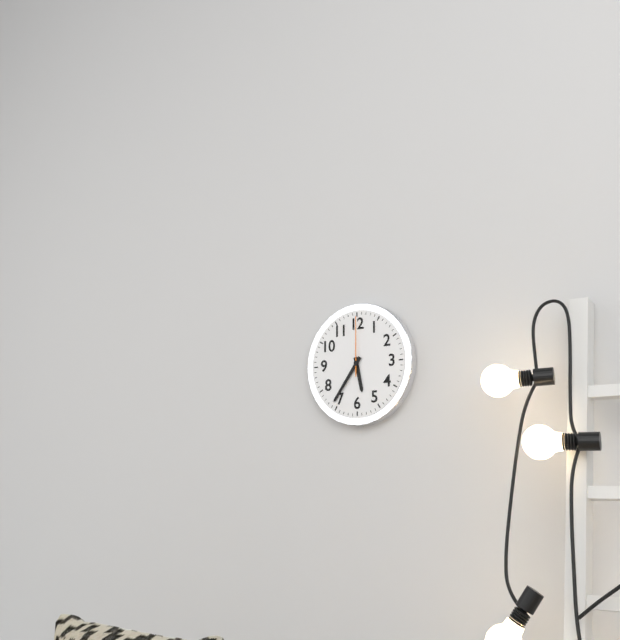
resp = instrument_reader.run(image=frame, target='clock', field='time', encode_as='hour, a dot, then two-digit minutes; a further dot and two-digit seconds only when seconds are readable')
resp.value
5.36.00
